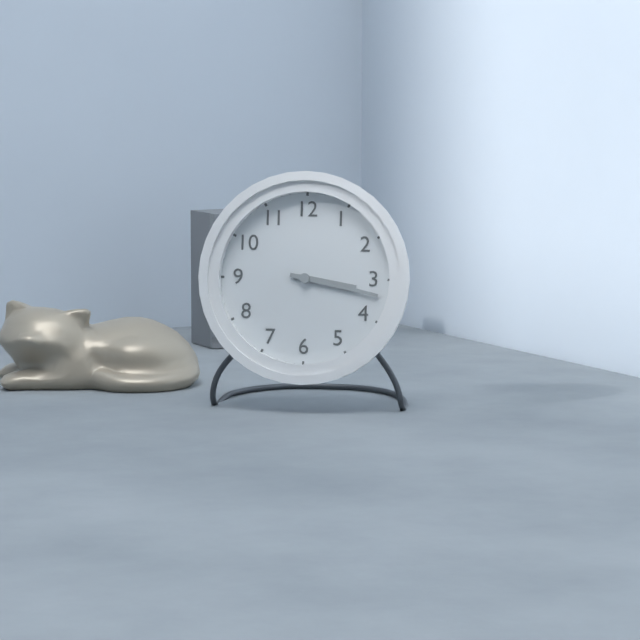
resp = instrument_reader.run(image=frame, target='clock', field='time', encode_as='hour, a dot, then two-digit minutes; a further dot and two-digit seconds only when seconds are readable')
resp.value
3.17
